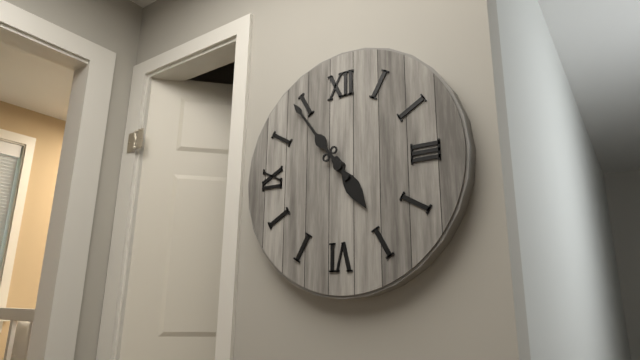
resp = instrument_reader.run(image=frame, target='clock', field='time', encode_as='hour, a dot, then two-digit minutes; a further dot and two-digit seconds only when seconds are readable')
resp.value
4.54
